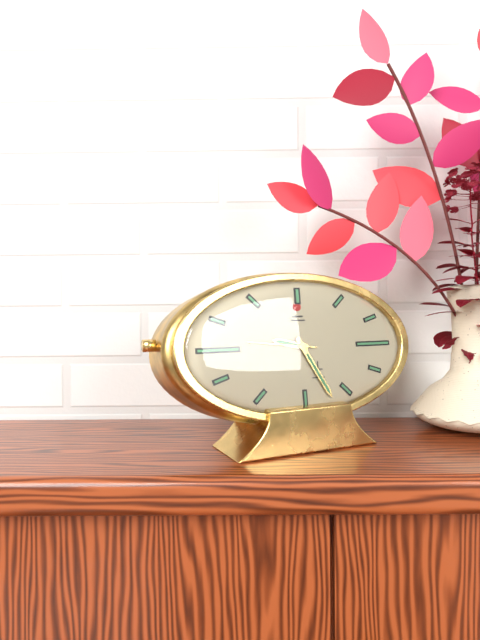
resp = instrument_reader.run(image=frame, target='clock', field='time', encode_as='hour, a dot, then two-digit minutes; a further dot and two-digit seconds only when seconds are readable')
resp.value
9.25.46
